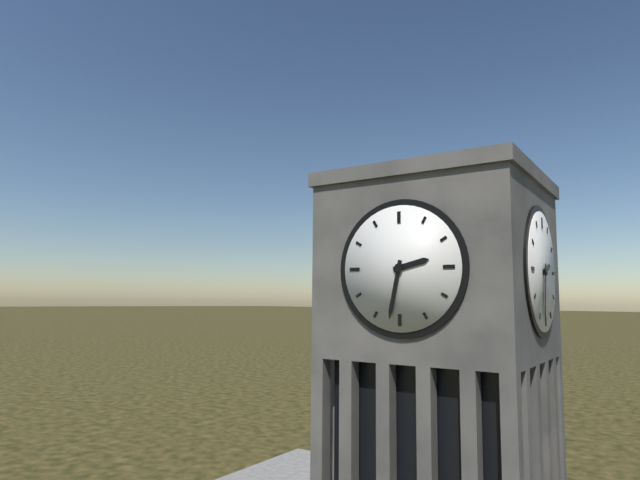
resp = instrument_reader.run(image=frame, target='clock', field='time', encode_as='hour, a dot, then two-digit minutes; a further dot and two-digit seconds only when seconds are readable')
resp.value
2.32
